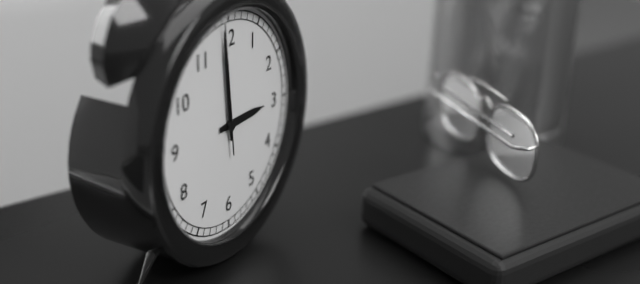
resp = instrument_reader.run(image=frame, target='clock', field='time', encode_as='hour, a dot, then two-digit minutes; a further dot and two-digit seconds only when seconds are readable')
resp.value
2.59.59
